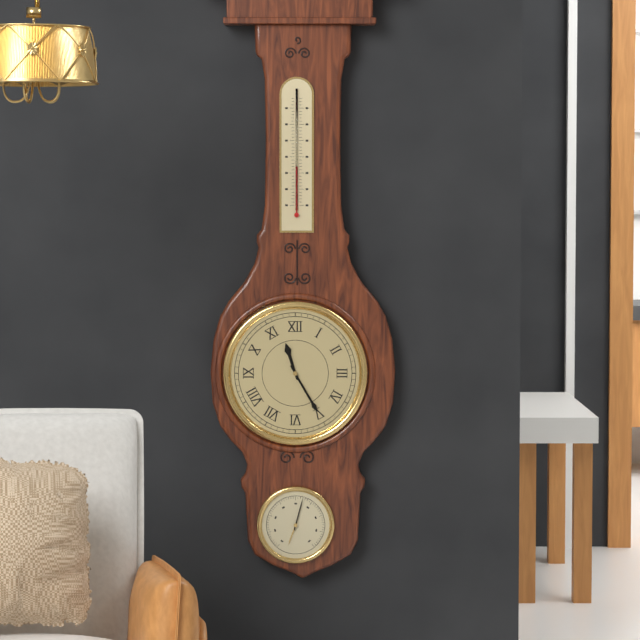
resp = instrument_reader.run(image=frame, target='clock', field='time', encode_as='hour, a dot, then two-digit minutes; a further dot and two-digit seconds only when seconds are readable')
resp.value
11.25
